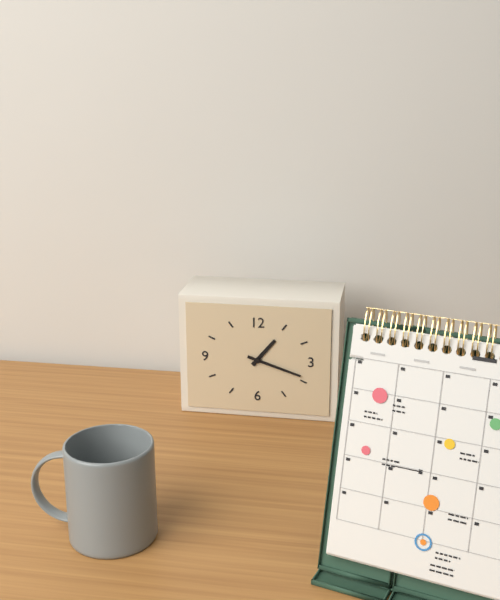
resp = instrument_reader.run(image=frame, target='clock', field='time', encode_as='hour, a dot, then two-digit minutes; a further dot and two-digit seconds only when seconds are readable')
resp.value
1.18
